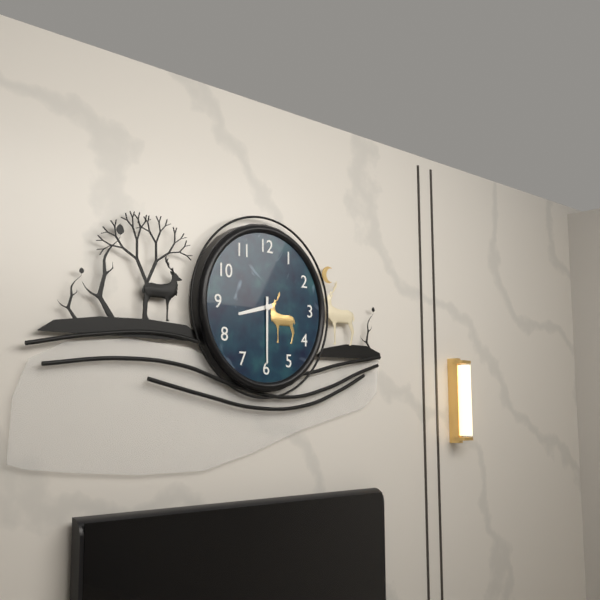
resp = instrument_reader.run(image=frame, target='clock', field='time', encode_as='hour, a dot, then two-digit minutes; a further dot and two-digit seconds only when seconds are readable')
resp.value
8.30
